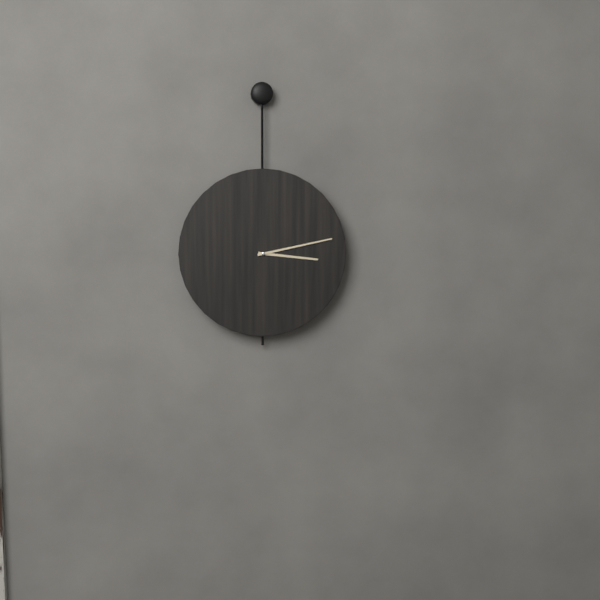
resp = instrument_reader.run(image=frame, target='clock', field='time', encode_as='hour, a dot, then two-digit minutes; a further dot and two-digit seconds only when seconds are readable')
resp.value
3.13
